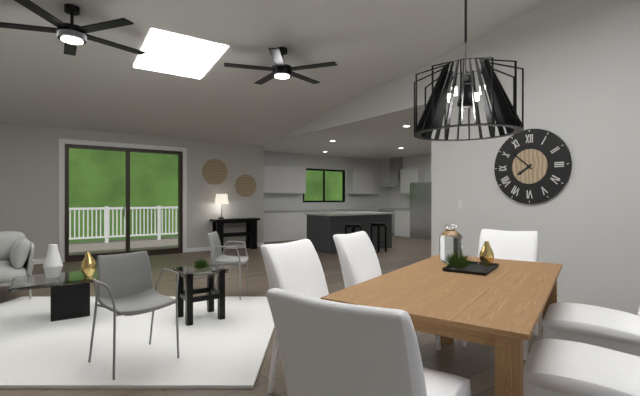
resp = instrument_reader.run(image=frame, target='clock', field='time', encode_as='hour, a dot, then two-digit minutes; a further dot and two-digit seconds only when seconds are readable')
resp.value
7.52
